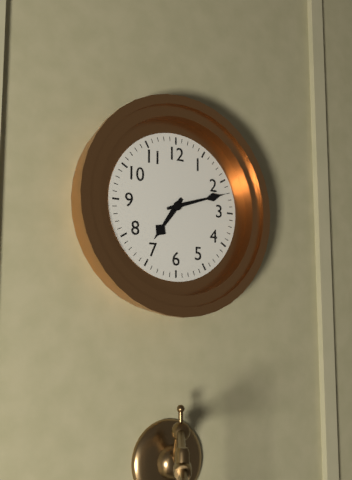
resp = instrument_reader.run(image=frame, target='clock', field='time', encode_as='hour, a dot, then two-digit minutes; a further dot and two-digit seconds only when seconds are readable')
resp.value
7.12
